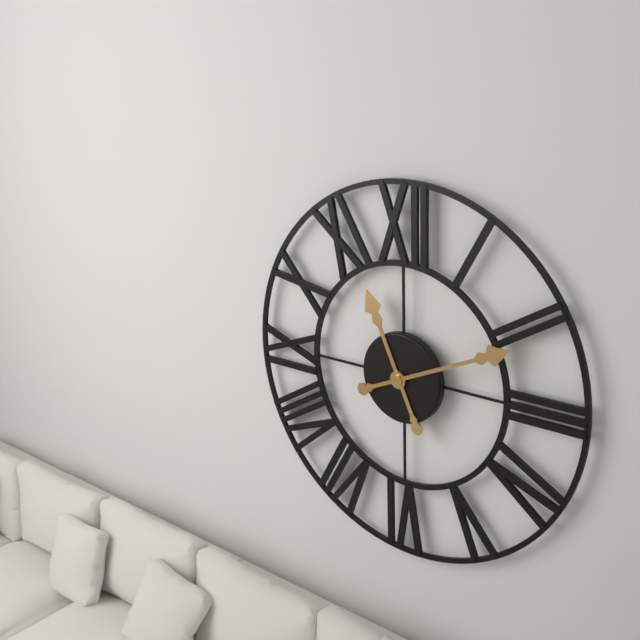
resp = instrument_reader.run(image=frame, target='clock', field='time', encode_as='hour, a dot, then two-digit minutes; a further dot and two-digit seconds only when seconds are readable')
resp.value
11.11
